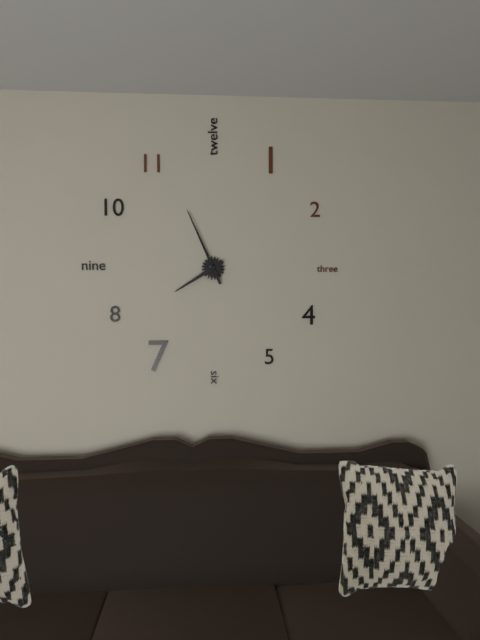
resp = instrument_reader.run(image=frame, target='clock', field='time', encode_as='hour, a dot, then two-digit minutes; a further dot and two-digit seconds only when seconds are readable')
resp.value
7.56
